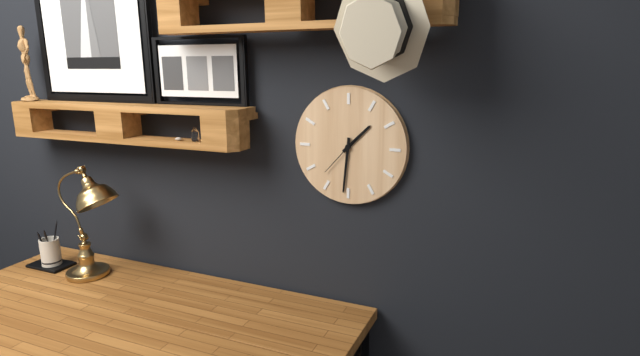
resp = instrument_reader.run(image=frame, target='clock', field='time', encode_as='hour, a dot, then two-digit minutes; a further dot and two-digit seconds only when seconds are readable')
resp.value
1.31
